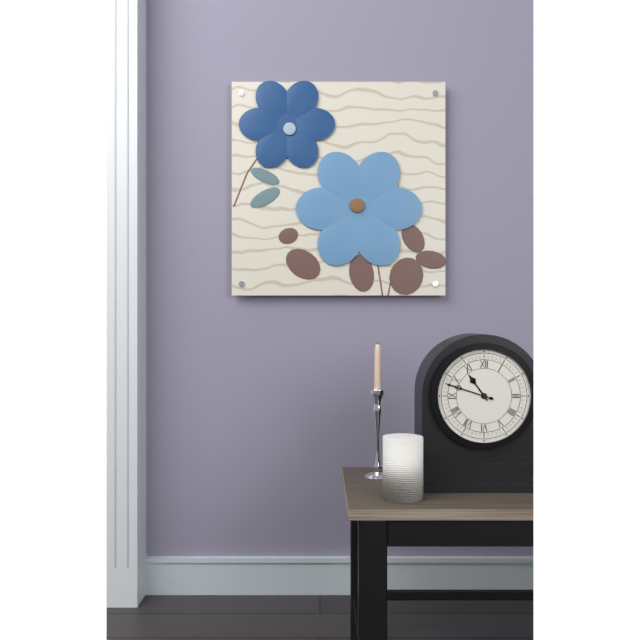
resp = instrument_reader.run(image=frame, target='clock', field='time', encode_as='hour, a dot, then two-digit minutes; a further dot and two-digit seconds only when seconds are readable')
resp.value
10.48
